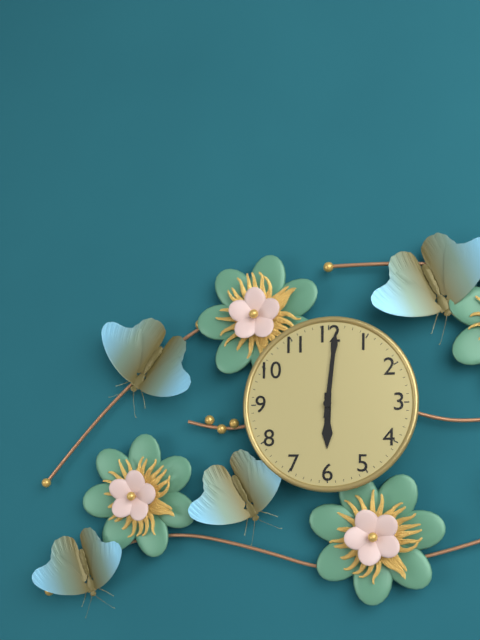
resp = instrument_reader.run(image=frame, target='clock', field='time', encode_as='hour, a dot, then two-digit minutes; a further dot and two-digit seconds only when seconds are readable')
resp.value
6.01
